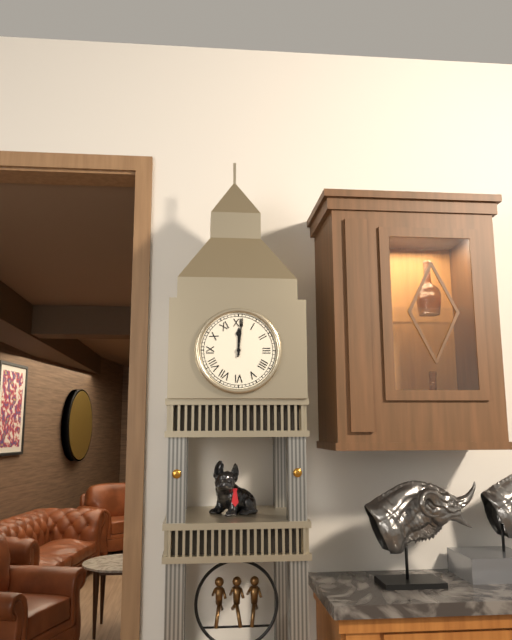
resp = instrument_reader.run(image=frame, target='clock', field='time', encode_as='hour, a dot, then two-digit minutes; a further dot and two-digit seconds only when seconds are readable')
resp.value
12.01
